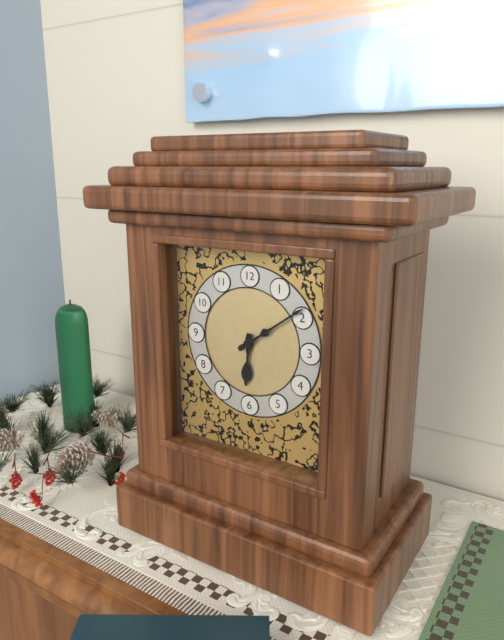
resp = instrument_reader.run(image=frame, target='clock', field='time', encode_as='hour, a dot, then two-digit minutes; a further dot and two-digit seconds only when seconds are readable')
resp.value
6.09
